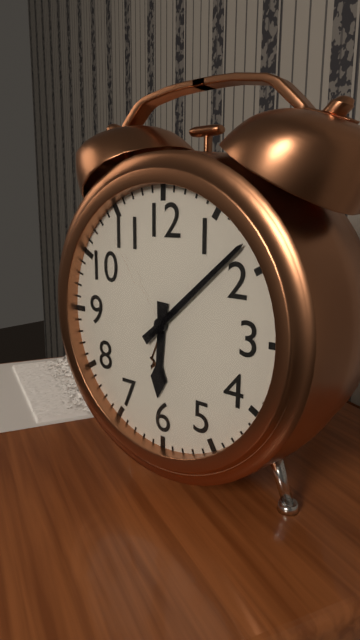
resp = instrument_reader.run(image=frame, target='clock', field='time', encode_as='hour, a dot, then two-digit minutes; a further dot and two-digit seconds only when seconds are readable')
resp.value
6.08
